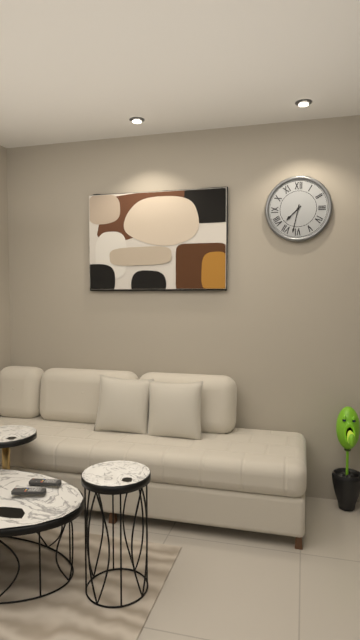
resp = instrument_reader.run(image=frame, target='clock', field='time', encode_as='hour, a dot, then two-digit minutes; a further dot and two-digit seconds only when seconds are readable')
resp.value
7.32
